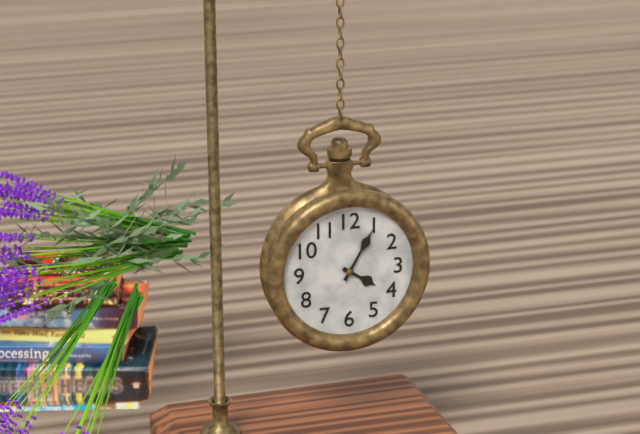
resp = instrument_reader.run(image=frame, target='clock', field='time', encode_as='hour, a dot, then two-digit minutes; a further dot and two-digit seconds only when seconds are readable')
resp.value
4.05
